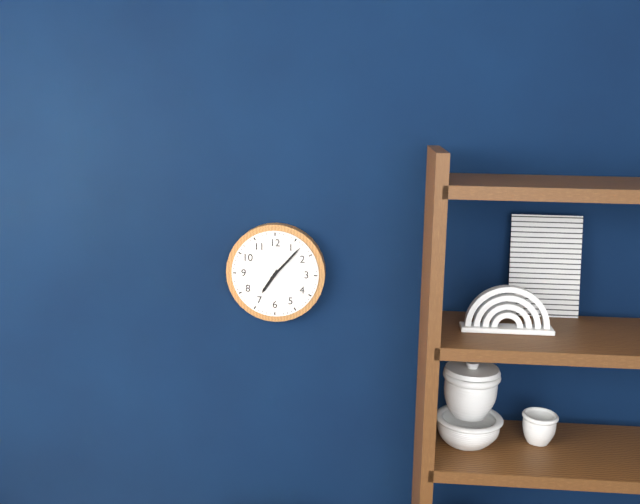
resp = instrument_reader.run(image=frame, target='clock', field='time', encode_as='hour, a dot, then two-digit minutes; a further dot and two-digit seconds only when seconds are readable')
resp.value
7.07
